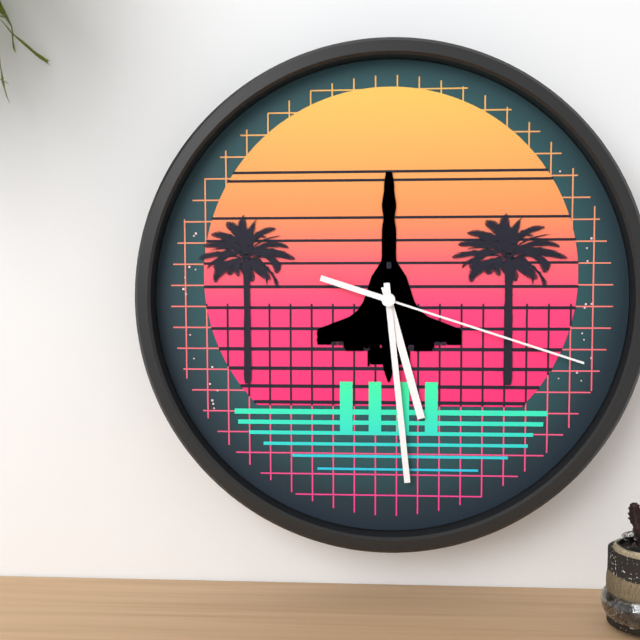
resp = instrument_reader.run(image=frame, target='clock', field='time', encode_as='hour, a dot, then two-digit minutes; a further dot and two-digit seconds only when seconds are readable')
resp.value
5.29.18
